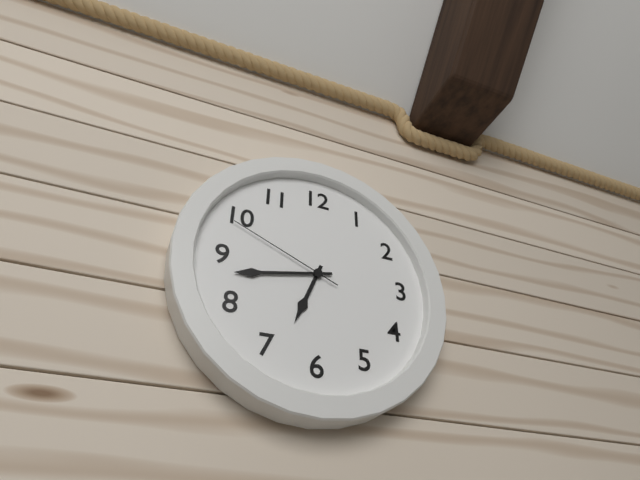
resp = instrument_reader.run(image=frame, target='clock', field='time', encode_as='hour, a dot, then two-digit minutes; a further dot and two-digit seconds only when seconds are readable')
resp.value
6.43.49
